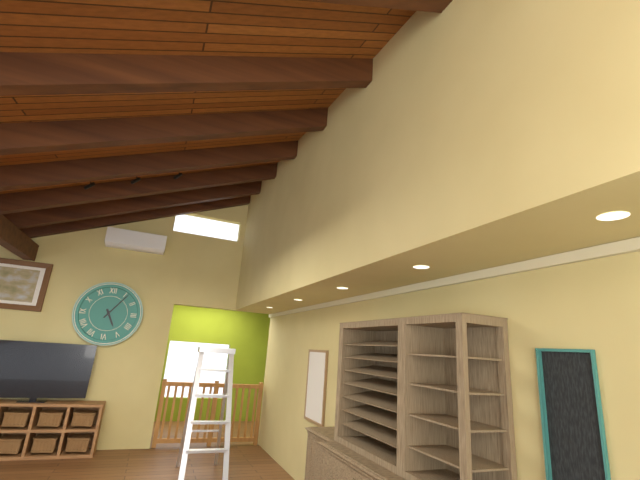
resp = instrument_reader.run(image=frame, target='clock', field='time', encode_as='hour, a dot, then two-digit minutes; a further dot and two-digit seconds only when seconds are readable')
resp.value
5.06
